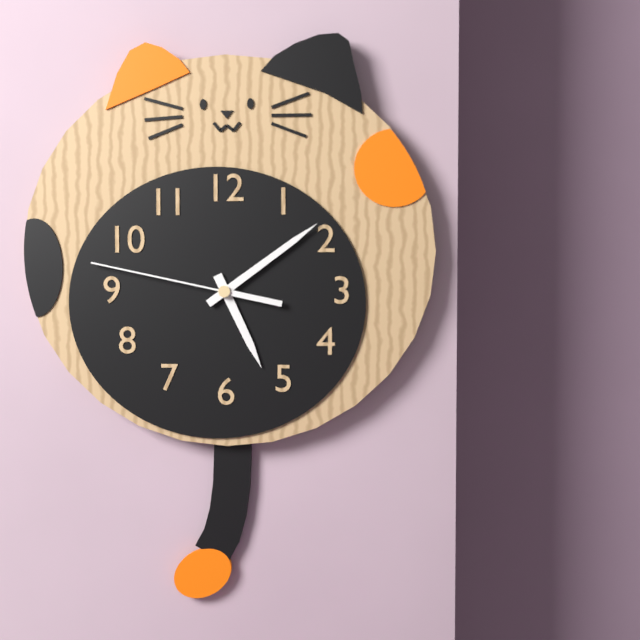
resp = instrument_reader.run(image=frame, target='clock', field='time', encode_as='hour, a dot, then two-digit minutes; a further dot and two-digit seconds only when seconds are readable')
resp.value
5.09.47
